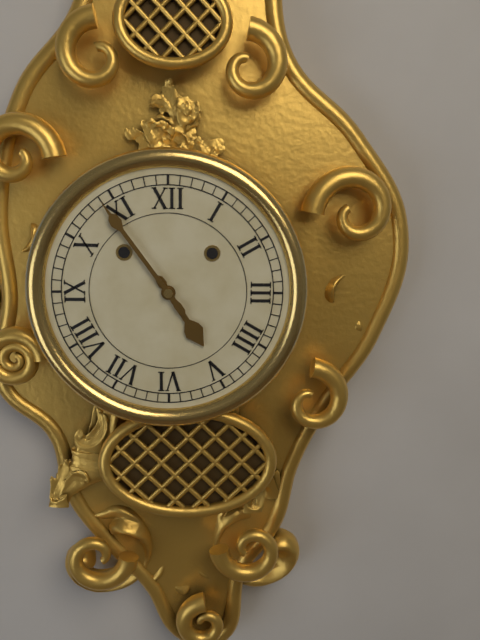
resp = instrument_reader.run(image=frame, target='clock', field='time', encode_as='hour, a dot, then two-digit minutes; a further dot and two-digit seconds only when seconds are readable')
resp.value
4.54
